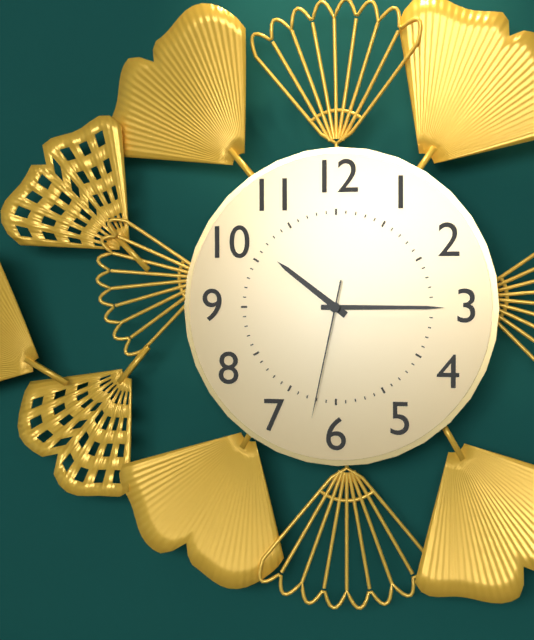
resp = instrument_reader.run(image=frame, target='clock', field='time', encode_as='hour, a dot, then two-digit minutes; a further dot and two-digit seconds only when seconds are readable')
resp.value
10.15.32
